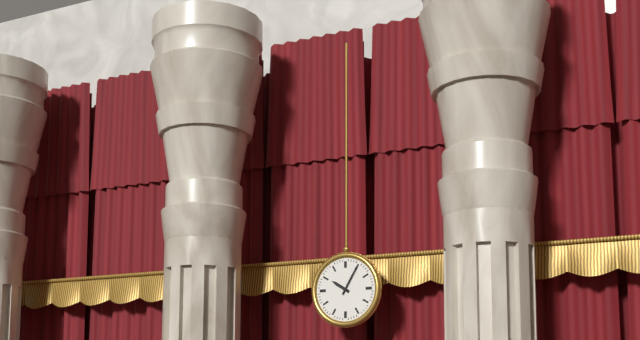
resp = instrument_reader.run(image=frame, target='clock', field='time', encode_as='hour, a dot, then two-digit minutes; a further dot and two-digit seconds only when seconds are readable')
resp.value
10.05
